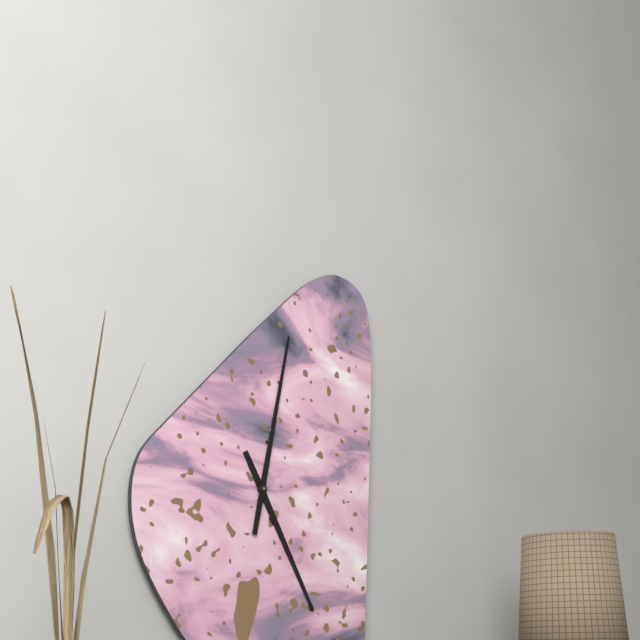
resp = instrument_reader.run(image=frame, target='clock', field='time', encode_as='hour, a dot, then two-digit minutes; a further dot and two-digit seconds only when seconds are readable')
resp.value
5.02
